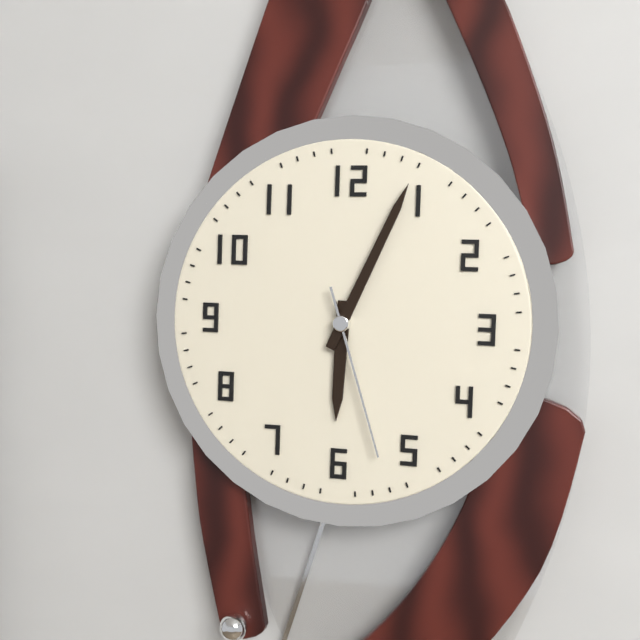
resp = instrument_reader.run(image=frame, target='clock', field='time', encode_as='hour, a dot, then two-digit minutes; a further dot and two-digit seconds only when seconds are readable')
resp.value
6.04.27
